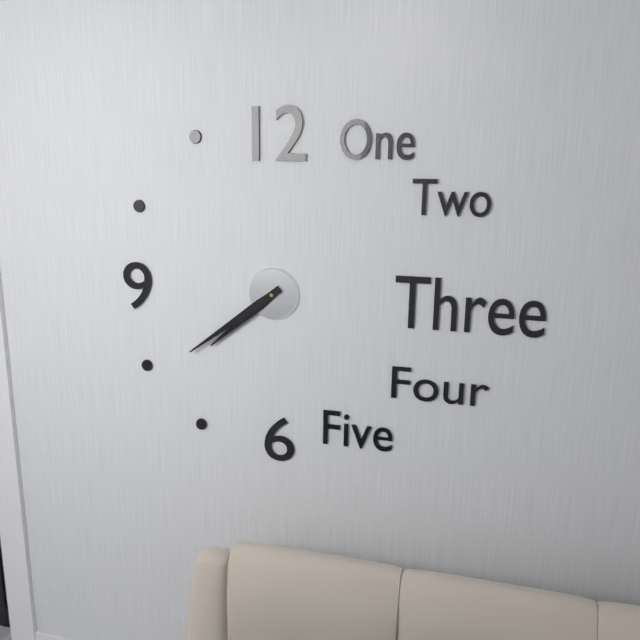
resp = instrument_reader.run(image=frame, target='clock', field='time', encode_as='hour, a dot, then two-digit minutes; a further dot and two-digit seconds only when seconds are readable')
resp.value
7.39
